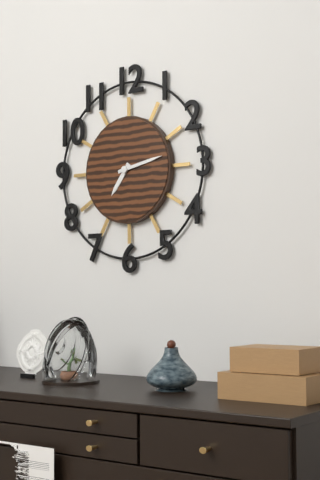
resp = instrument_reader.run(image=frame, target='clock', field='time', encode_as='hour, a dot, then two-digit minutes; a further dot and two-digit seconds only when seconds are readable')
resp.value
7.13
